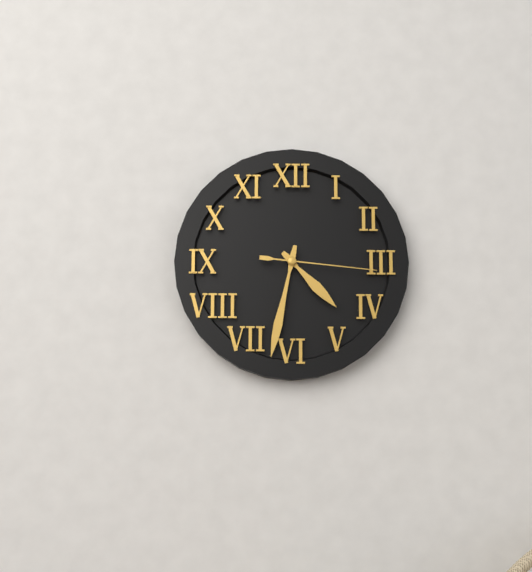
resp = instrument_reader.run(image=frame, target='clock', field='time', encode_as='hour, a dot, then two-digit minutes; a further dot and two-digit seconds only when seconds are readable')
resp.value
4.32.16
